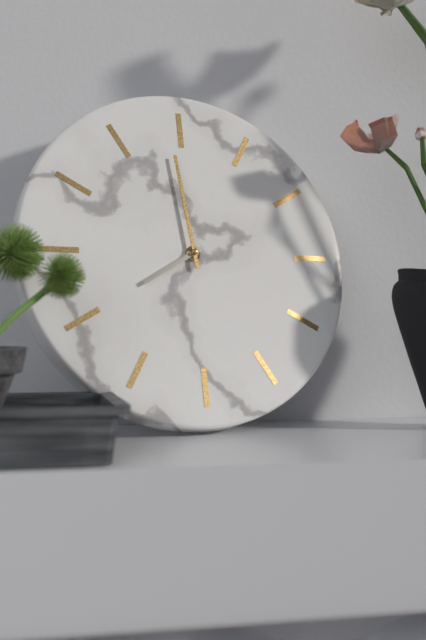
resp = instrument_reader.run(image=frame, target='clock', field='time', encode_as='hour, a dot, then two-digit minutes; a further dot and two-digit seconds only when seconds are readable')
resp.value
7.59
